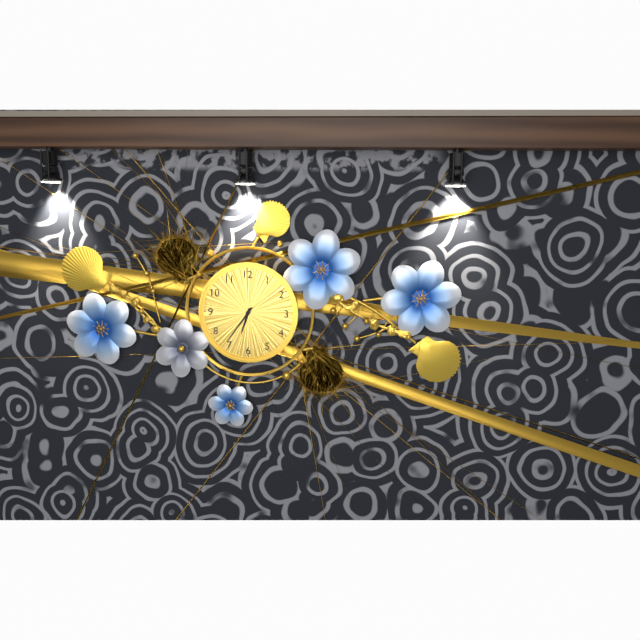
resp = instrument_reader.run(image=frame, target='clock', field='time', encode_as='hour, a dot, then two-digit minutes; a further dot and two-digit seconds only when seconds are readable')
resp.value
6.36
